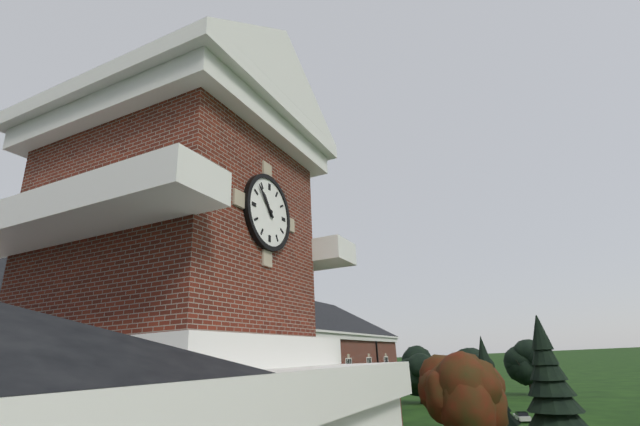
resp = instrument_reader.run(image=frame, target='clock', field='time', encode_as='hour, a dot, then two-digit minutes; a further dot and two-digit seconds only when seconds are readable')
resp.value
10.53
